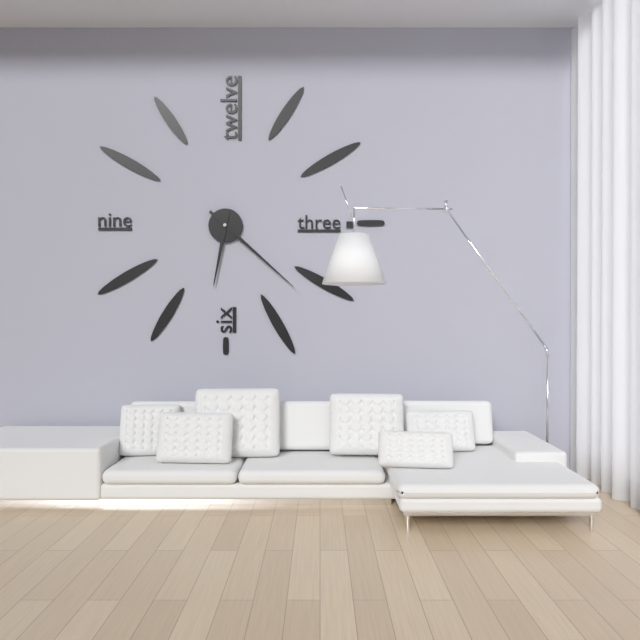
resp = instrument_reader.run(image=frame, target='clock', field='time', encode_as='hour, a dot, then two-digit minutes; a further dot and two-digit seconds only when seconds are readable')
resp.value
6.22
